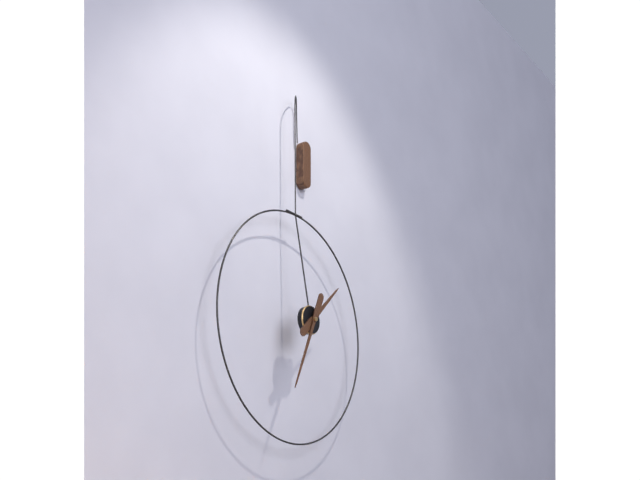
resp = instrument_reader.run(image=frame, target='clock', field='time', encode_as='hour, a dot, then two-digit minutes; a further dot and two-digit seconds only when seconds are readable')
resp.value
1.34
